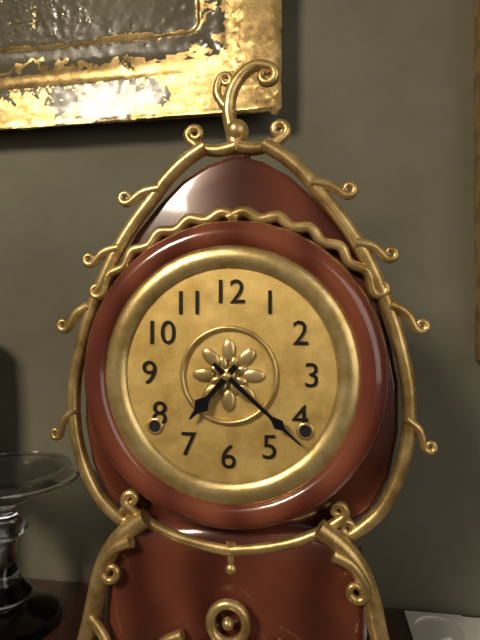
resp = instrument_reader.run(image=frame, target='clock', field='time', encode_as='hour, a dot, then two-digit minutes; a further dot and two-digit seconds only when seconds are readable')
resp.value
7.22
